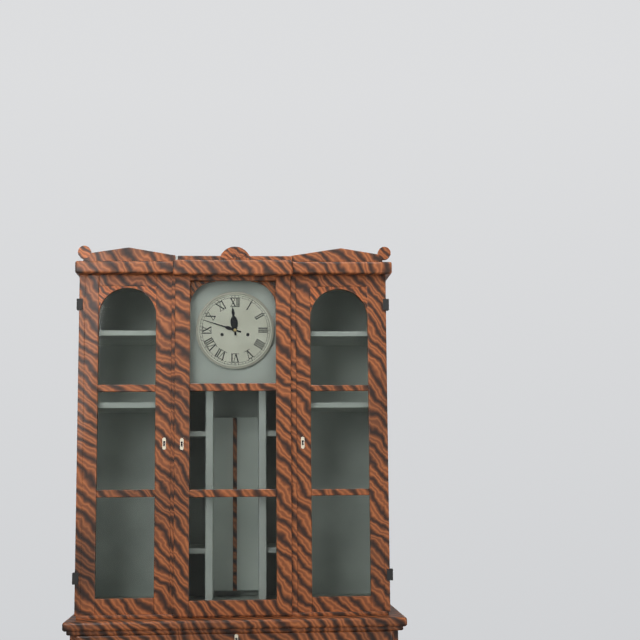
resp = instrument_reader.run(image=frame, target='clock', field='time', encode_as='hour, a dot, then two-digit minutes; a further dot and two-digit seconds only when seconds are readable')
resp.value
11.48
